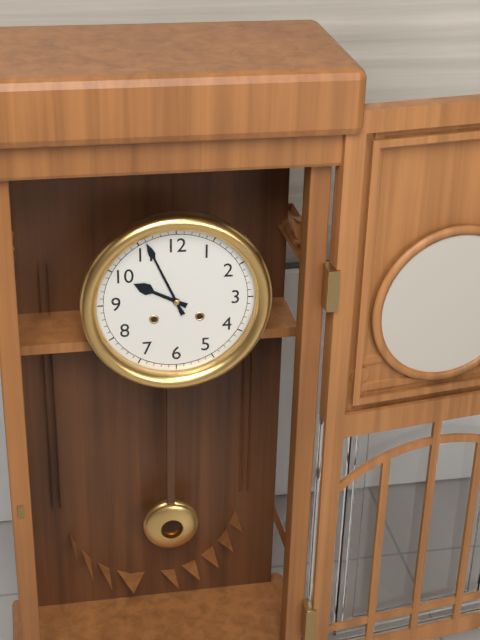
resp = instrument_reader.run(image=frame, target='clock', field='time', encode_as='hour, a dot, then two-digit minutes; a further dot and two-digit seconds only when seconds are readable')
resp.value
9.56
